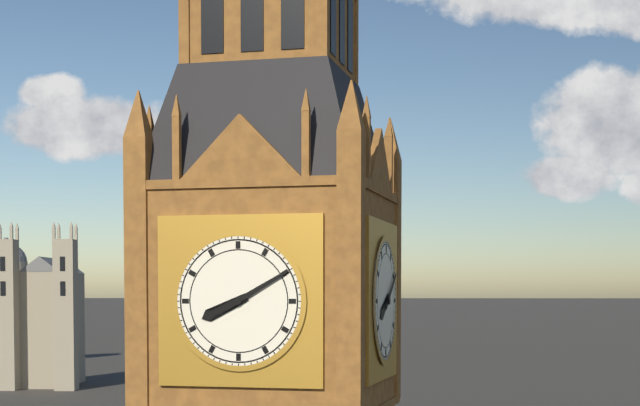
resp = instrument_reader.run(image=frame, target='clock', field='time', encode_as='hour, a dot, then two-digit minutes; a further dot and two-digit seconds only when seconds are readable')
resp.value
8.10
